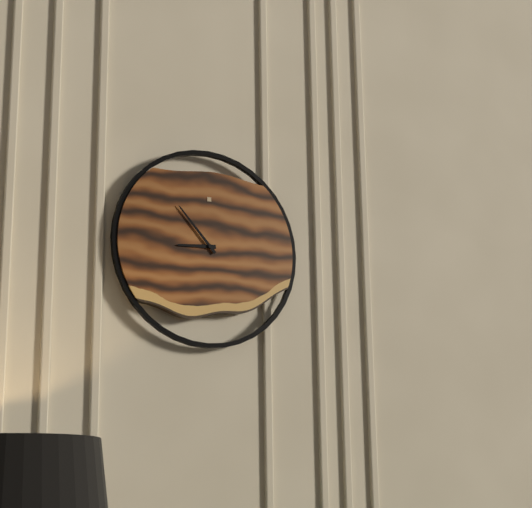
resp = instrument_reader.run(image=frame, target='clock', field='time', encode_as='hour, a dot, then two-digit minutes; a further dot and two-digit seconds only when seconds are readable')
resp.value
8.53
